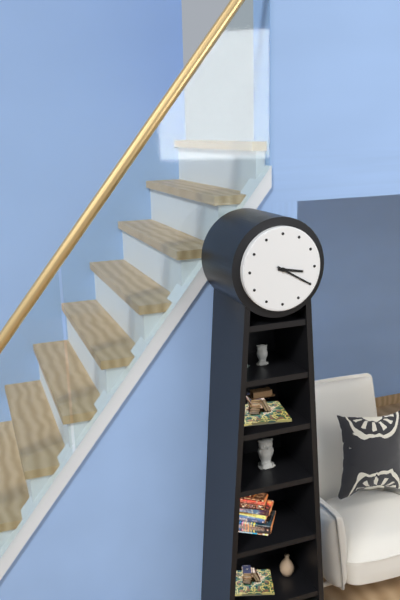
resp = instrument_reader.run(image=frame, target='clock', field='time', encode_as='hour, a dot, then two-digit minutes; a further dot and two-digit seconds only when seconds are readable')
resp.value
3.20
